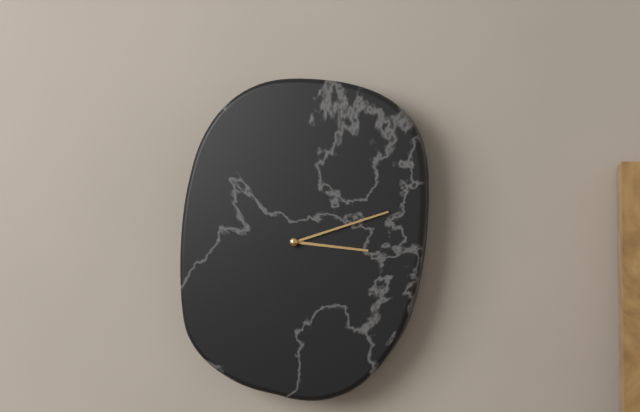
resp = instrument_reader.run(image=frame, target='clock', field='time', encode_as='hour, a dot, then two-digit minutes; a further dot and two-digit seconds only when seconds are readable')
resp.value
3.12
